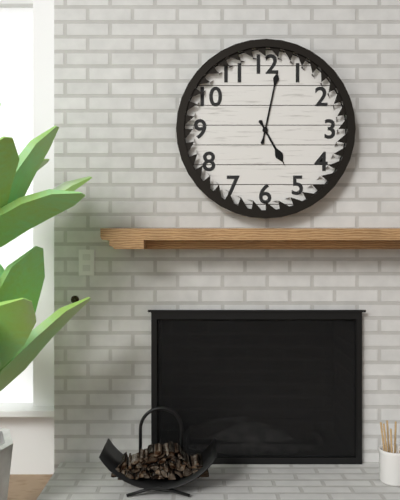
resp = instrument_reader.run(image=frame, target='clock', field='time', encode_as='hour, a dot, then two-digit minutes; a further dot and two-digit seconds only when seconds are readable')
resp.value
5.02
